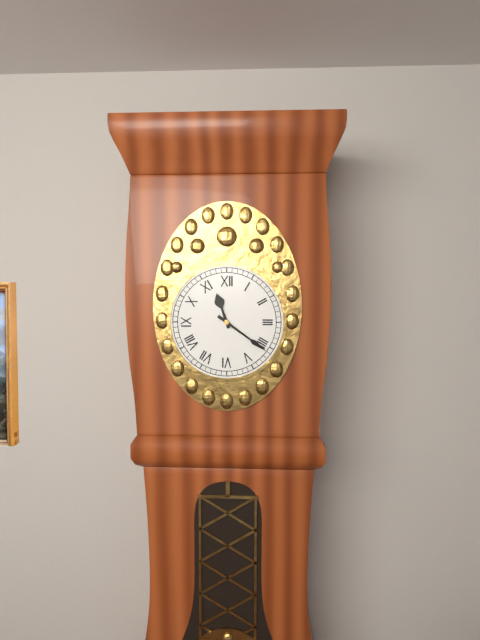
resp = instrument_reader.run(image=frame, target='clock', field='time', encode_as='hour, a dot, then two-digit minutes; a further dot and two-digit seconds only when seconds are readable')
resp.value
11.21
